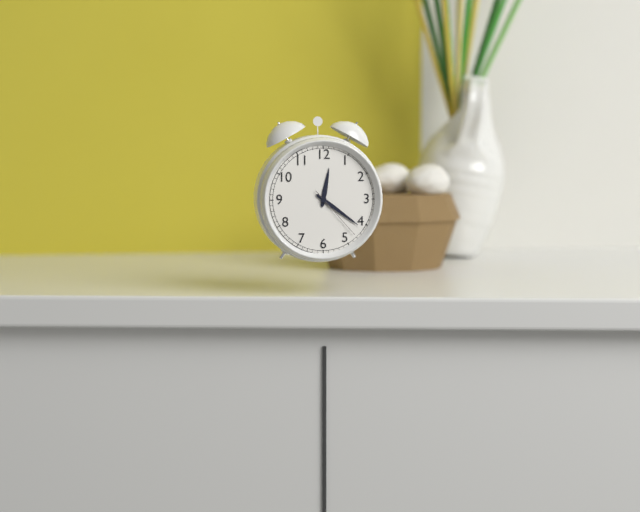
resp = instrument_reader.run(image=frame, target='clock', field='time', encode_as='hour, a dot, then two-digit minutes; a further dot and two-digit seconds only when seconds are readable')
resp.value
12.21.23
